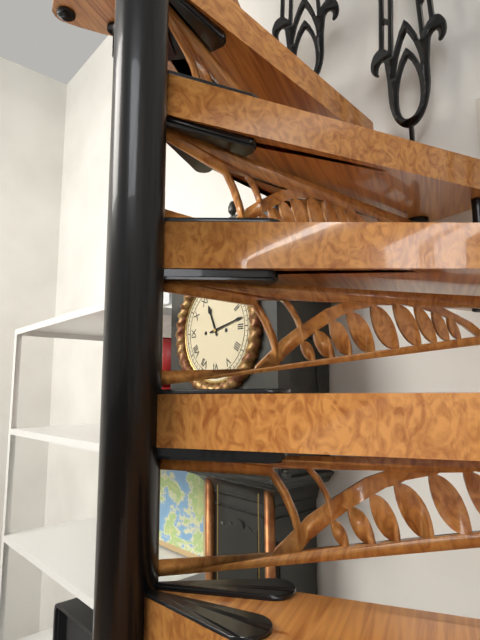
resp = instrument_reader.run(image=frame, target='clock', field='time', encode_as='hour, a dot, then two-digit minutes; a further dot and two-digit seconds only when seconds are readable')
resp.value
11.13
